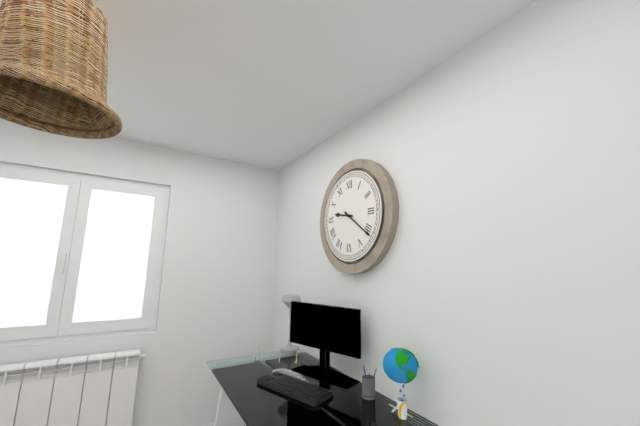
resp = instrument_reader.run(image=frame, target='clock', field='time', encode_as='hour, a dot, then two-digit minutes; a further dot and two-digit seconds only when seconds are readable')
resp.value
9.21
